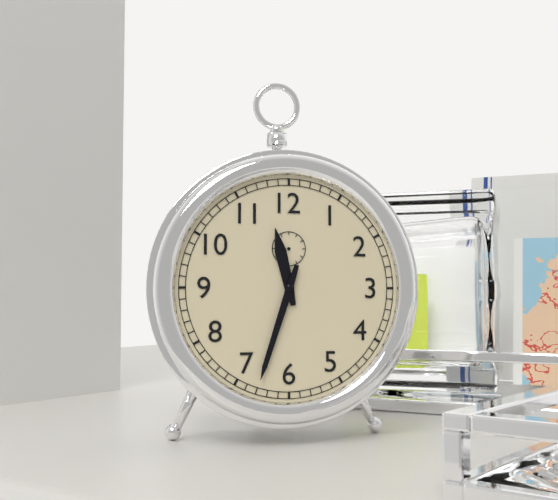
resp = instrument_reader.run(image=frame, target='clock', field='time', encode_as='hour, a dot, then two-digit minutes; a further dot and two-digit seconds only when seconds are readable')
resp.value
11.33
